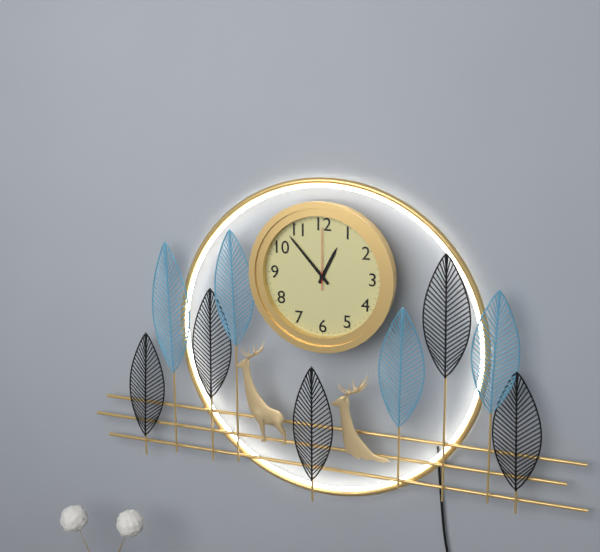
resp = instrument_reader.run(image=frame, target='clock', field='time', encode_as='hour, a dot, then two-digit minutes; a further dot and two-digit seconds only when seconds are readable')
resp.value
12.53.00
